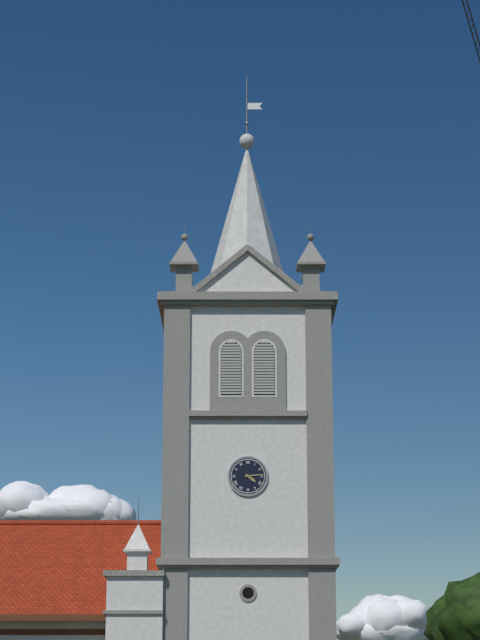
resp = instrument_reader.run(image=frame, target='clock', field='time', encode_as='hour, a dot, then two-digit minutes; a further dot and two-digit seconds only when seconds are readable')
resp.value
4.14
